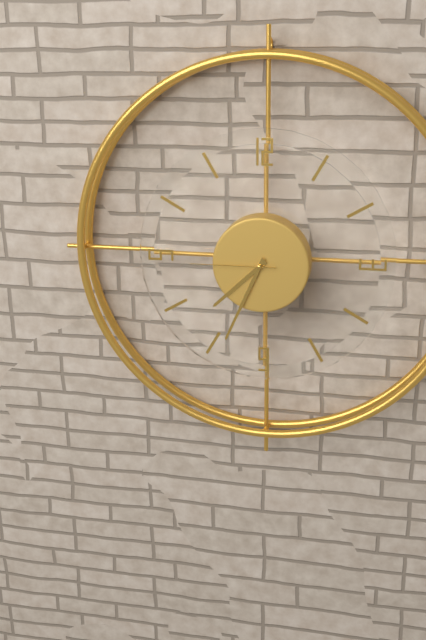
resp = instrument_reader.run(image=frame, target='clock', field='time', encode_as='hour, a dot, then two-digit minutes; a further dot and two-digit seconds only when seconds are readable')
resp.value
7.34.45
